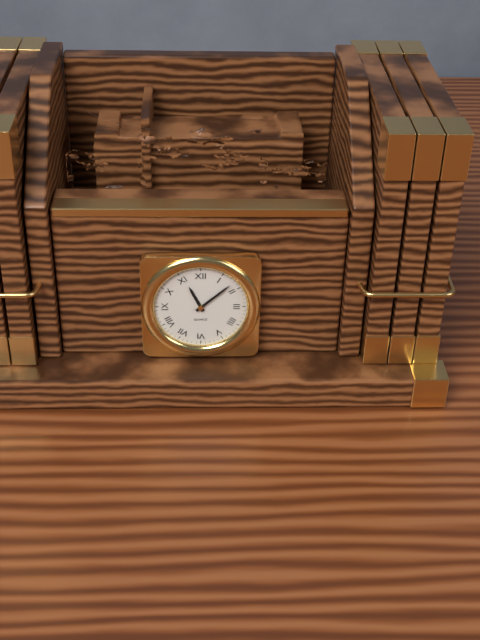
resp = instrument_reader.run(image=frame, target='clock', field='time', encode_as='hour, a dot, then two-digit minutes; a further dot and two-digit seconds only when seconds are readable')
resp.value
11.08
